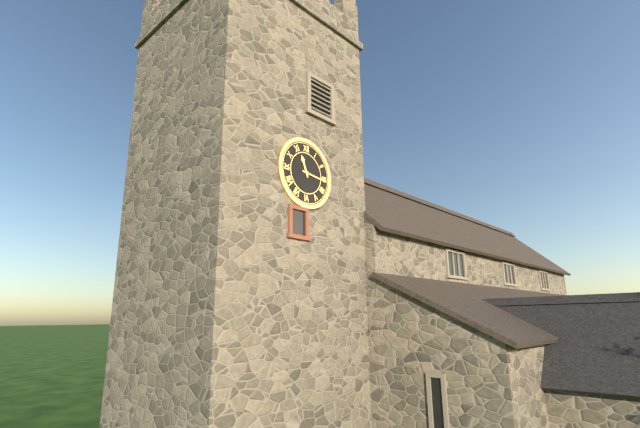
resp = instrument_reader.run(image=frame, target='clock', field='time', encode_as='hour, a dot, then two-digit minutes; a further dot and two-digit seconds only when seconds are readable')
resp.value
11.16
